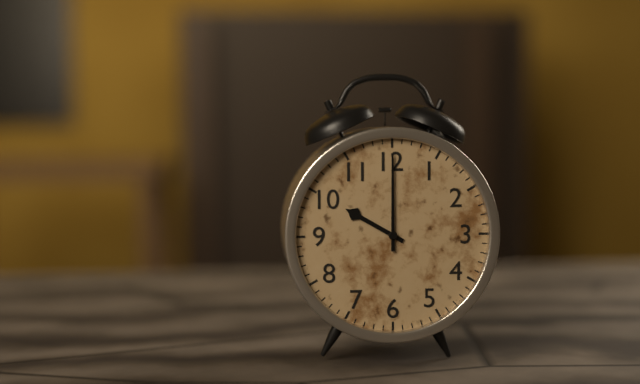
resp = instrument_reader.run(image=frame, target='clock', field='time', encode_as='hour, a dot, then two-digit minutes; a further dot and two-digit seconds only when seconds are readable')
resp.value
10.00
